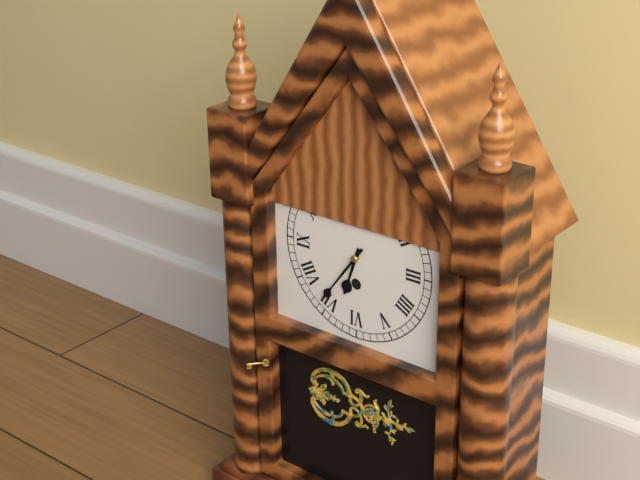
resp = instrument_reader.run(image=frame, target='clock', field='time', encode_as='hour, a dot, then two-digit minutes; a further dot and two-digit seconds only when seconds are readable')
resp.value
6.36
